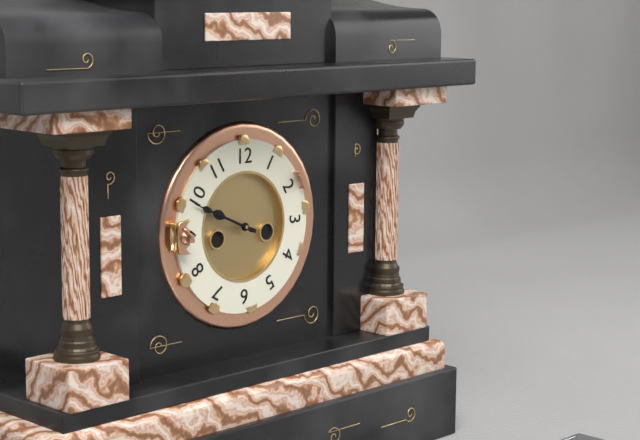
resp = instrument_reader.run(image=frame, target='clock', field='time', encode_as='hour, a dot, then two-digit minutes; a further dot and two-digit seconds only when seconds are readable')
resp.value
9.49
